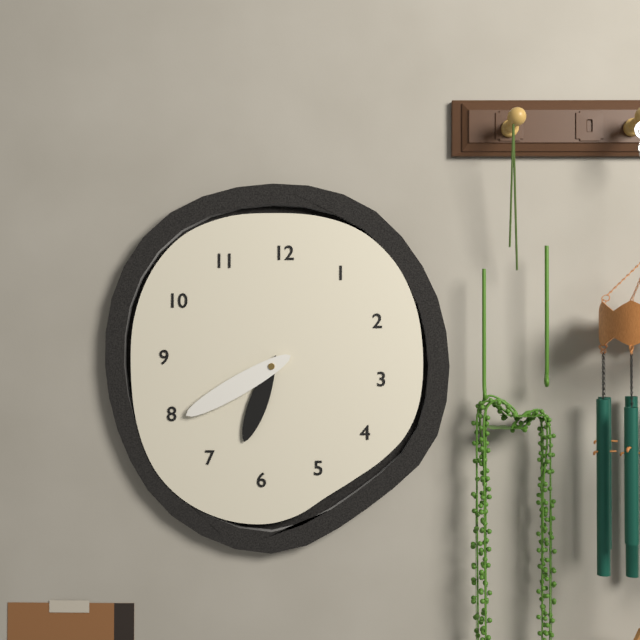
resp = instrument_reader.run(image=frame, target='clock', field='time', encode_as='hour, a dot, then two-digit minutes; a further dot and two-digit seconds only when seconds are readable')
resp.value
6.40
